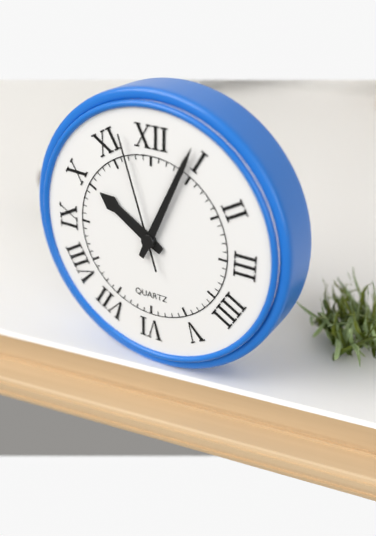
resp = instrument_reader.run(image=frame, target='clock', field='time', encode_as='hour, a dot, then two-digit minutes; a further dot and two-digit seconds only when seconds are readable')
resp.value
10.04.57
